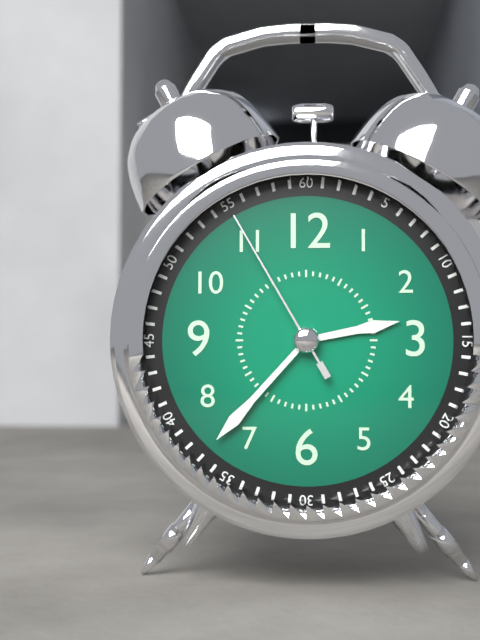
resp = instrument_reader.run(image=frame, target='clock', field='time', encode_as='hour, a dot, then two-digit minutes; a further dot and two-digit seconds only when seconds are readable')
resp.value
2.37.55
